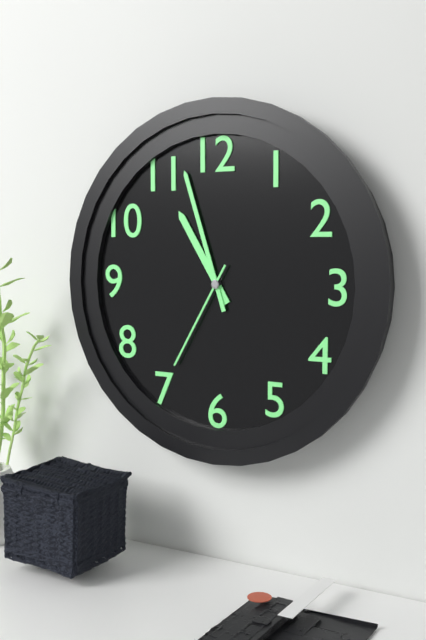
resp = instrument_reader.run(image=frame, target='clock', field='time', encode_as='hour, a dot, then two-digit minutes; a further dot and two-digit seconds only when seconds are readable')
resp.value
10.57.35
